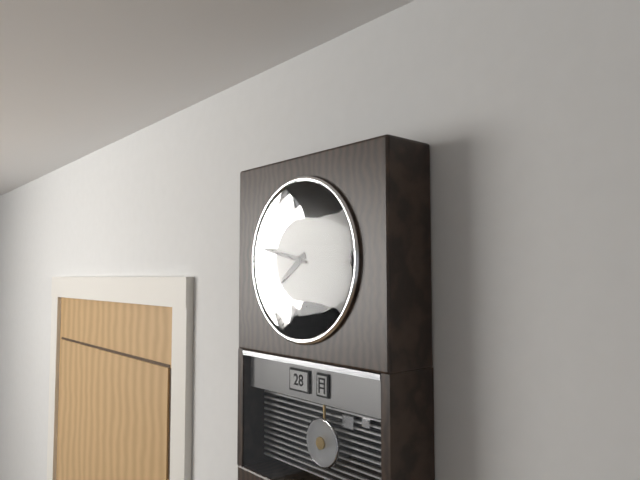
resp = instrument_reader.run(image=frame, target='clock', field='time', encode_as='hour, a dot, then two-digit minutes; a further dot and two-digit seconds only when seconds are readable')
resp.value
7.47
